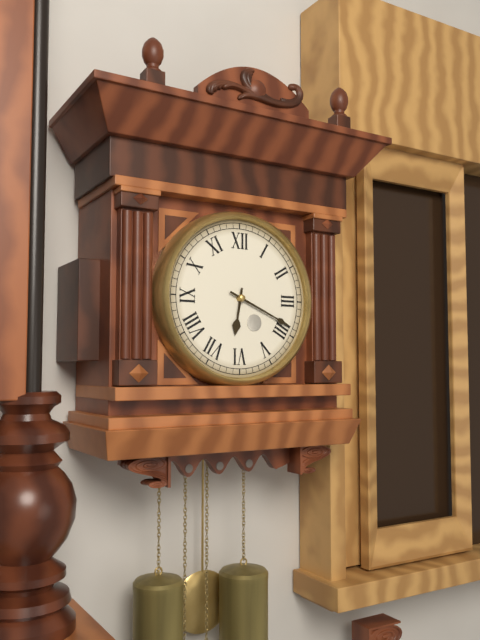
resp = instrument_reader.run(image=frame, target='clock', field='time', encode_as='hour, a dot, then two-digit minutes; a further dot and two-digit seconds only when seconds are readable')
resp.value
6.19
